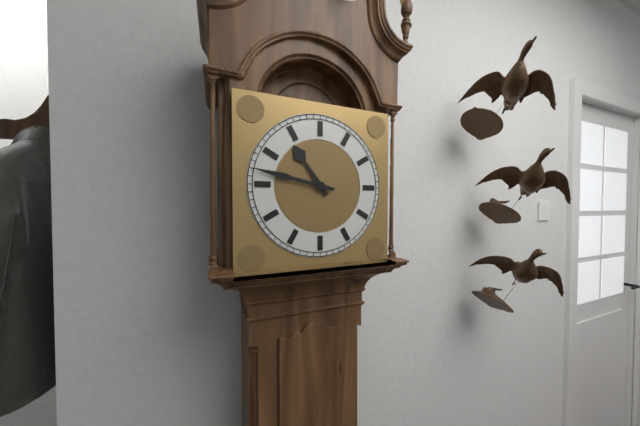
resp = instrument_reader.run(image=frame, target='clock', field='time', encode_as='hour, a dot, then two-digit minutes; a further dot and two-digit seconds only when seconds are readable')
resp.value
10.47
